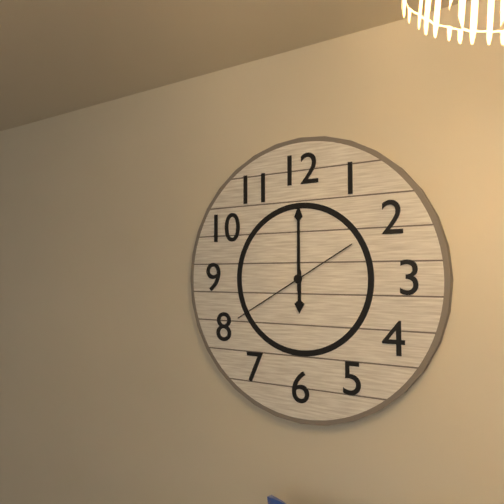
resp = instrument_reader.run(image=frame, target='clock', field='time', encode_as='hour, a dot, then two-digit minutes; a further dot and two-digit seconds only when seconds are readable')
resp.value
6.00.40
